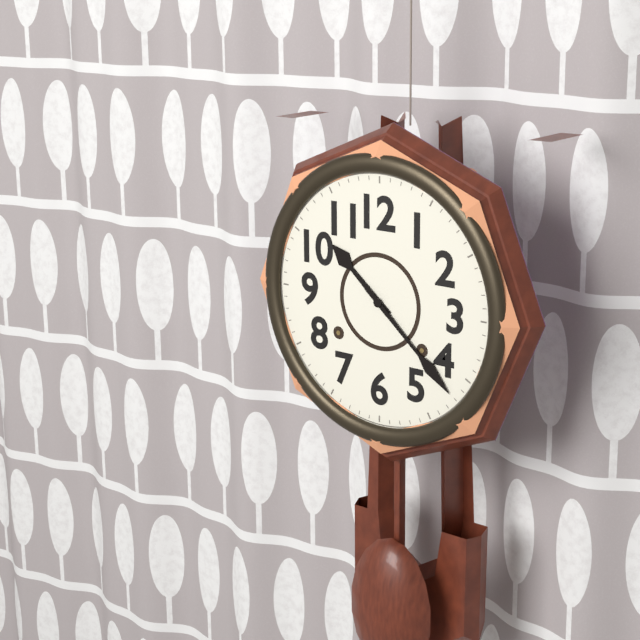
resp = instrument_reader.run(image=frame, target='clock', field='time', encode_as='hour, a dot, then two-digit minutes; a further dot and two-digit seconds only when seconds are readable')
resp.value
10.22
